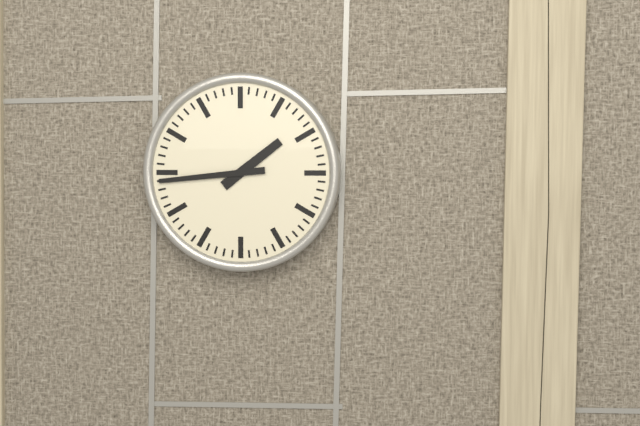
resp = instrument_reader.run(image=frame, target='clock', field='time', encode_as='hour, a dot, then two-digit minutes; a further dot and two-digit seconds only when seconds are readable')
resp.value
1.44
